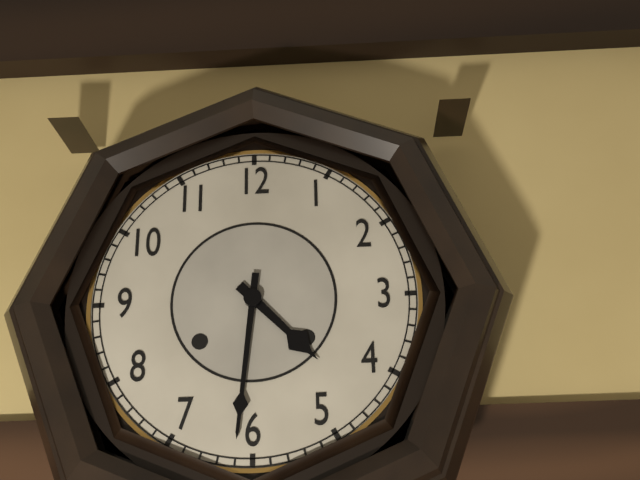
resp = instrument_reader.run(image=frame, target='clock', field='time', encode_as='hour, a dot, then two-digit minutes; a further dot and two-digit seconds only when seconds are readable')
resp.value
4.31
